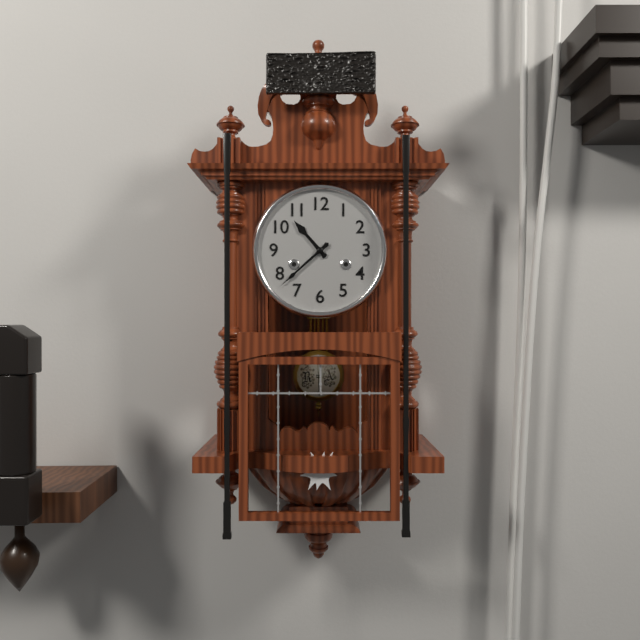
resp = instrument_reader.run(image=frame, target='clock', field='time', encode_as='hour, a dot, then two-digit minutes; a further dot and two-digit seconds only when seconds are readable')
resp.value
10.38
